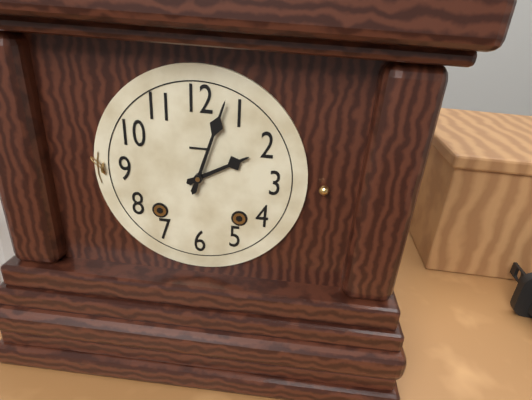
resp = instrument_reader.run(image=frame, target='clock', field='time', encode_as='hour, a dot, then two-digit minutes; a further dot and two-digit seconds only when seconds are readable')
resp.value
2.03
